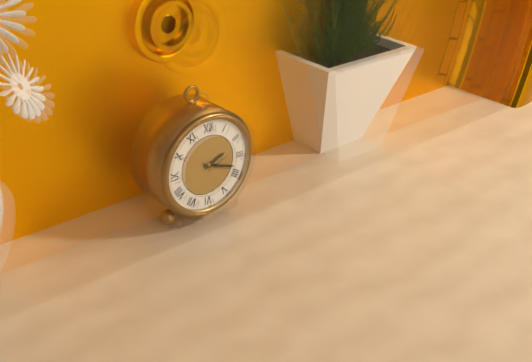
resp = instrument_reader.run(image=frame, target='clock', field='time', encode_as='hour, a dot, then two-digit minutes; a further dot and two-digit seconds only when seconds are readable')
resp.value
2.18
